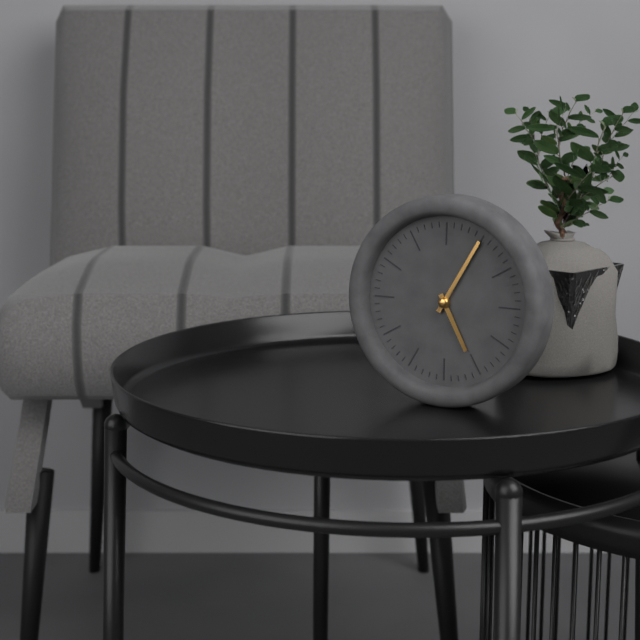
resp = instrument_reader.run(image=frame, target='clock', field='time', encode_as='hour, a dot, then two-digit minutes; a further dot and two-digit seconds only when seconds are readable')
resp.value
5.05
